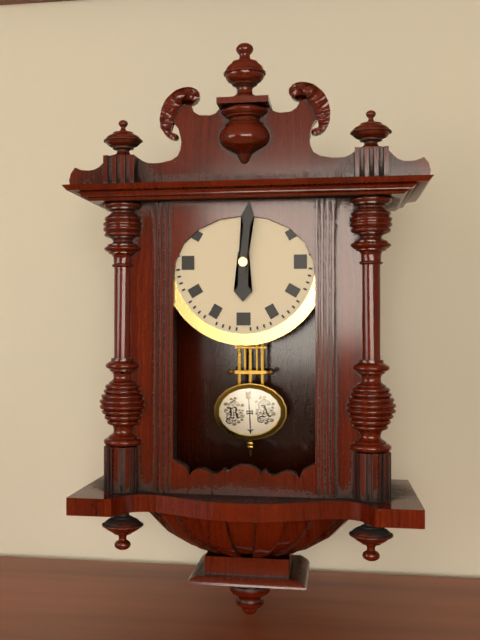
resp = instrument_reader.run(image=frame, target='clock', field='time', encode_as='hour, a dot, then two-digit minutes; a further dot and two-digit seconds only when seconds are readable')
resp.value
6.01
